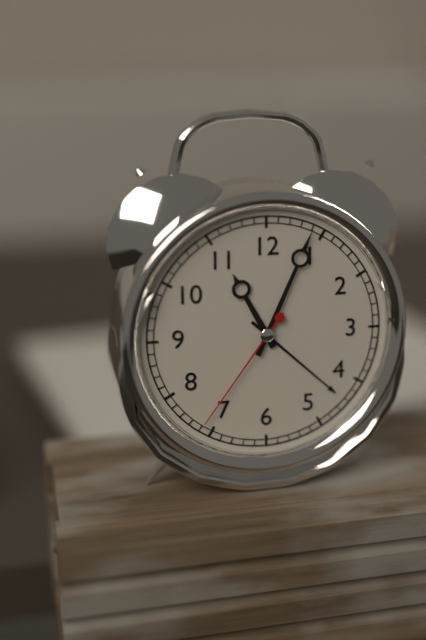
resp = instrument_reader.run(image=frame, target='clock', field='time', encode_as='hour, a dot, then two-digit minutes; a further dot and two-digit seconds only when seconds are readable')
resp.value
11.04.36
